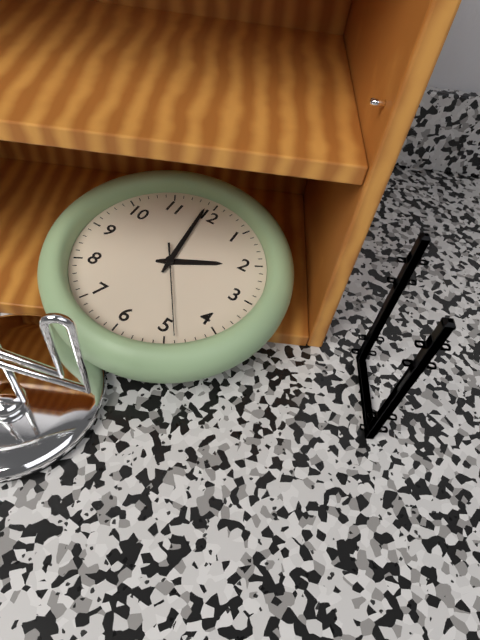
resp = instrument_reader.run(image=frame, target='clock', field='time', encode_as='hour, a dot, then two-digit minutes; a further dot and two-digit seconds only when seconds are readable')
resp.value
1.59.24
